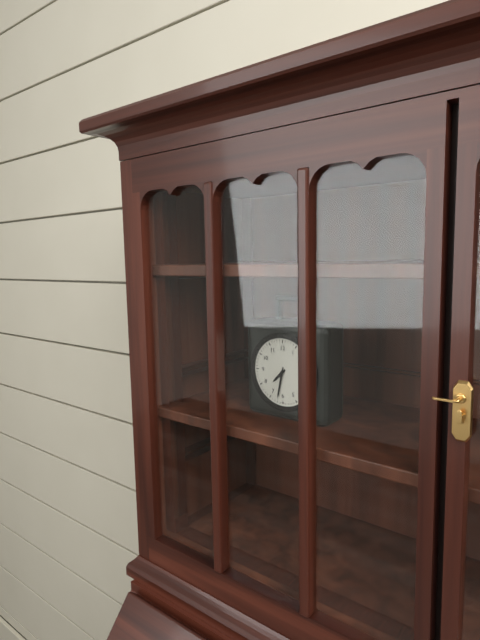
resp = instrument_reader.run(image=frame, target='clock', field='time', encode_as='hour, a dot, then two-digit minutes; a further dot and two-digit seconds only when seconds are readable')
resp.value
7.32
